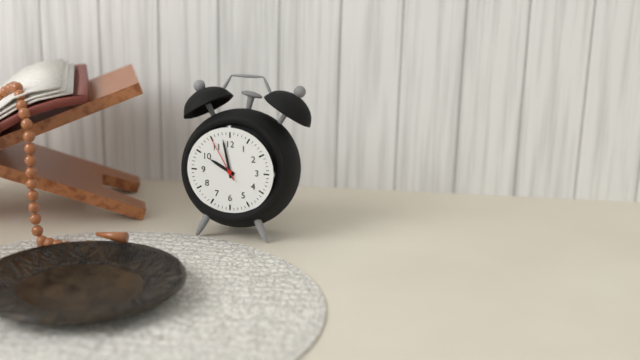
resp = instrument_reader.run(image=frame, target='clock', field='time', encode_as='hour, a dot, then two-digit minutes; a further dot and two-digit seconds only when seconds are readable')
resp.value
9.58
